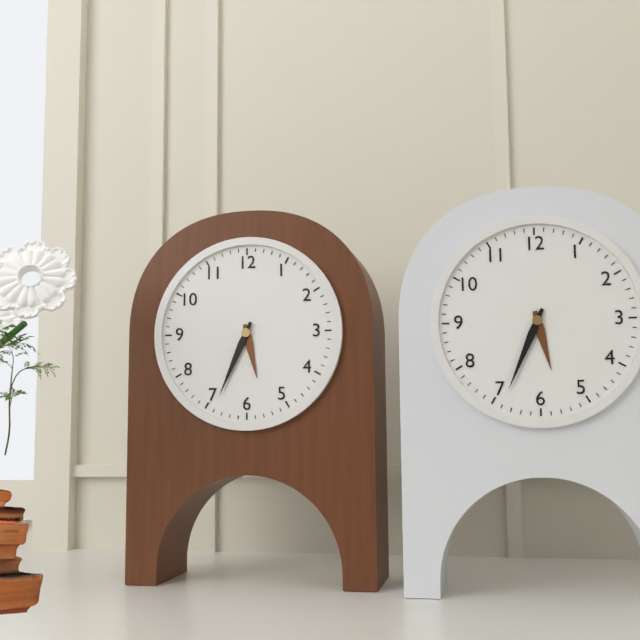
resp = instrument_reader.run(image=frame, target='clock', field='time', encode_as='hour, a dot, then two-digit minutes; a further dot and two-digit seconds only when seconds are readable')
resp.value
5.34
